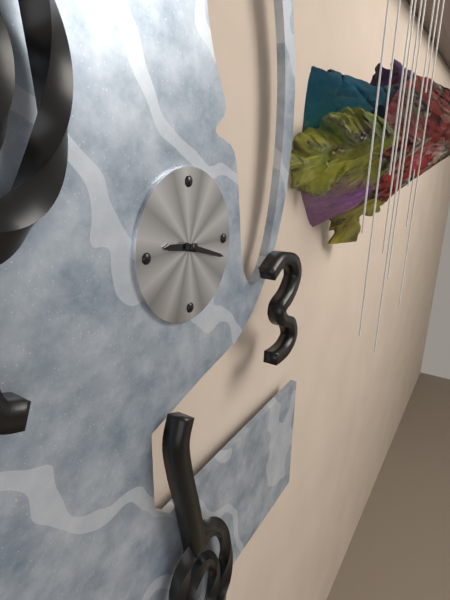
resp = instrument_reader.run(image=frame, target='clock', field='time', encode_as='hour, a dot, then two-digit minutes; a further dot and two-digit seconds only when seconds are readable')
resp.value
9.18
